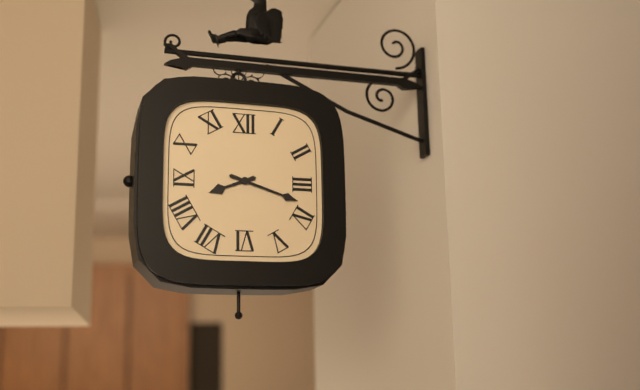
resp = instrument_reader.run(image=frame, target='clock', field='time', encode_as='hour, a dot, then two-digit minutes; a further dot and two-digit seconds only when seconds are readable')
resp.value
8.18
